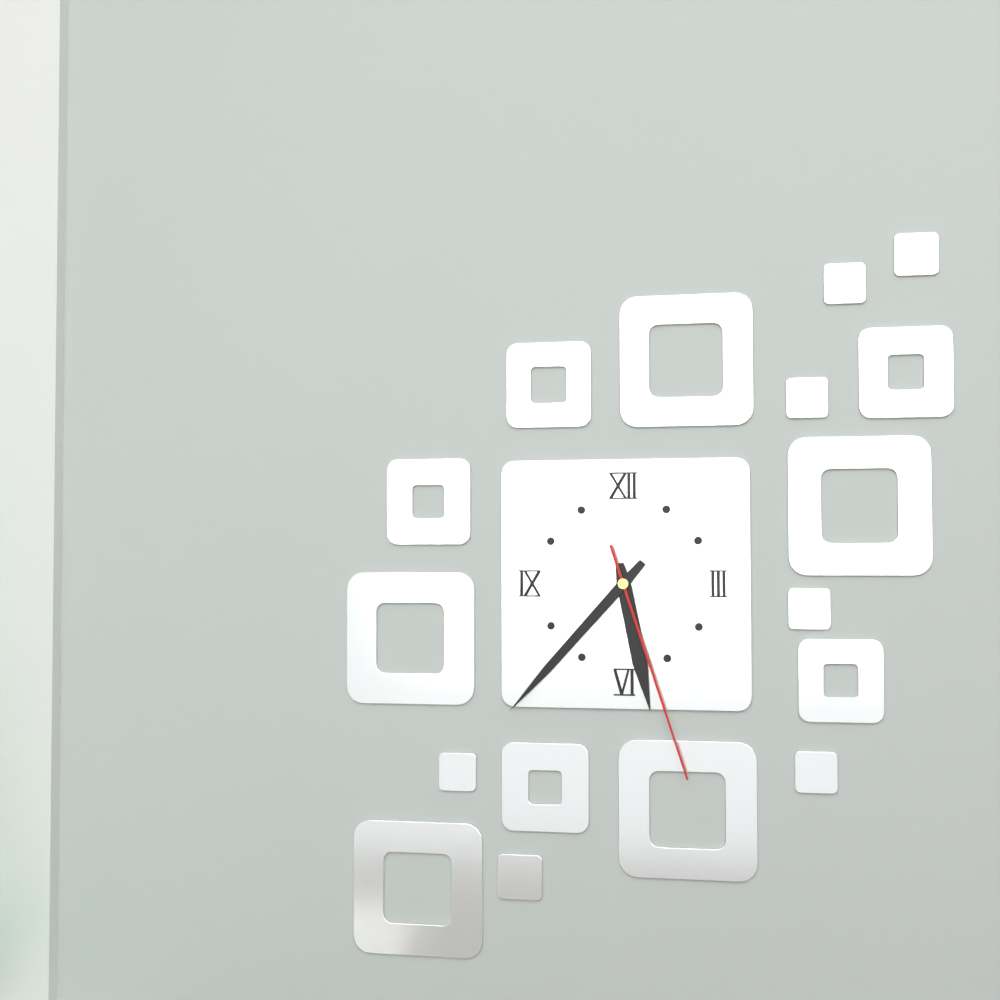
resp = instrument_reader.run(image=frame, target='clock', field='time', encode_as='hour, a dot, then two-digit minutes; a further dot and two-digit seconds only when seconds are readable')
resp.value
5.37.27
